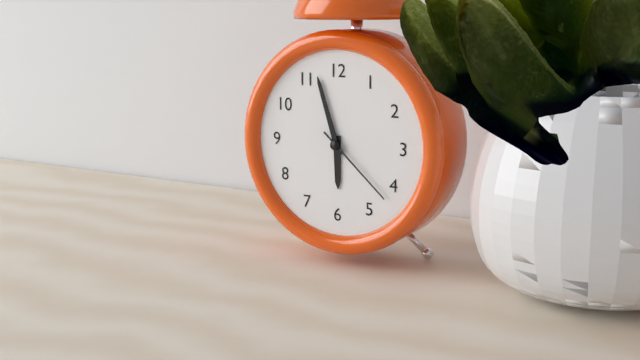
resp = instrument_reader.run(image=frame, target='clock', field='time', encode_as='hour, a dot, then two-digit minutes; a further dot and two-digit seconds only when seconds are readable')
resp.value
5.57.22
